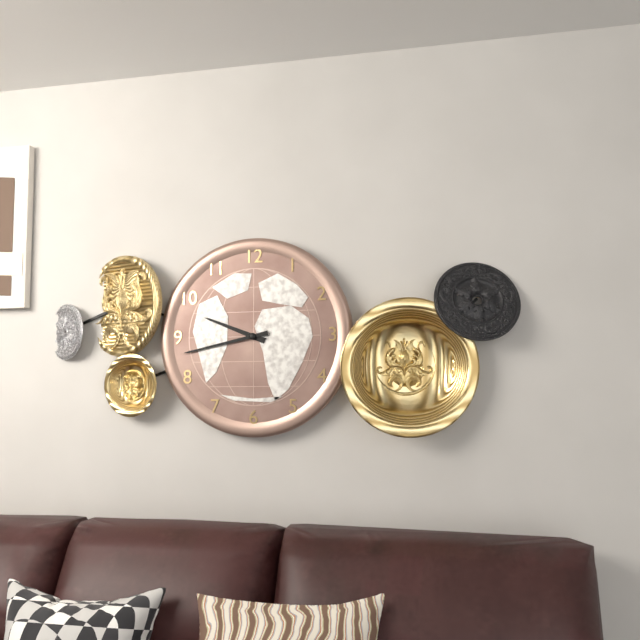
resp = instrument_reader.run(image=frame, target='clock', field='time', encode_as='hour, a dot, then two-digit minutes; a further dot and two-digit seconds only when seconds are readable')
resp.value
9.43
